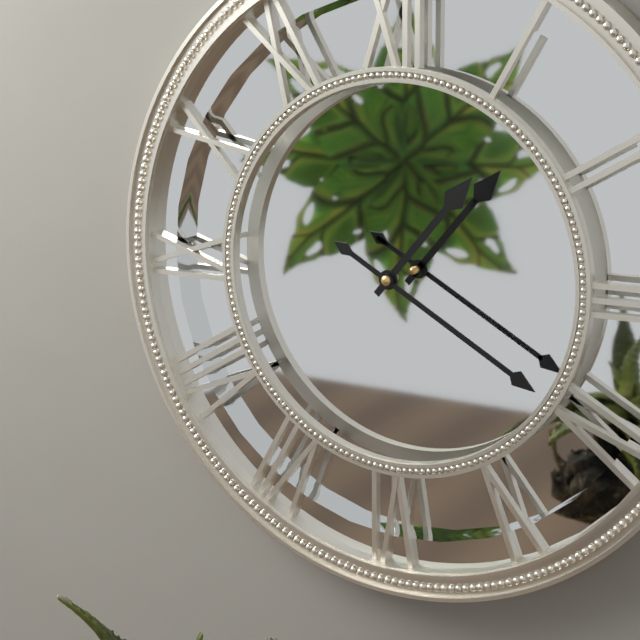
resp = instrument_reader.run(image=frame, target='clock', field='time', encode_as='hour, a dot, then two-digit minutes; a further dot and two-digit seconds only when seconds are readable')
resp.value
1.20
